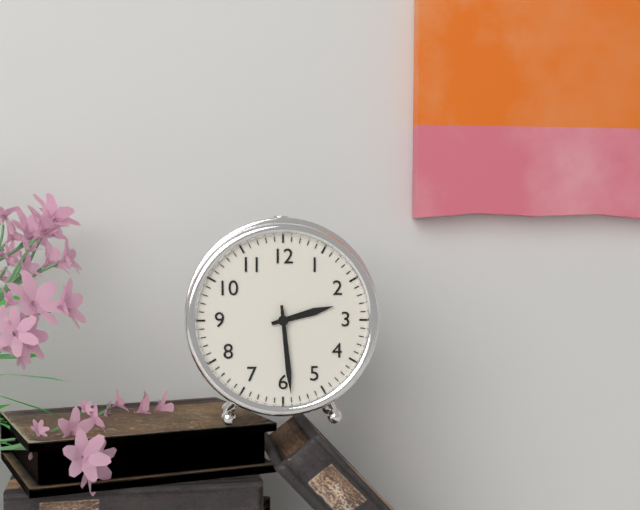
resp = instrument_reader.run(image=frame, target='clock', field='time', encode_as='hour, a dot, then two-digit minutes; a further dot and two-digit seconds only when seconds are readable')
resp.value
2.29
